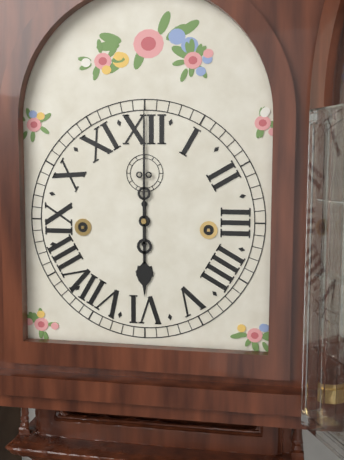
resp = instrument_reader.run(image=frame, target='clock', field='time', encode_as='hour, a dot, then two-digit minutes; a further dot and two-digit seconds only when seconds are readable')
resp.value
6.00
